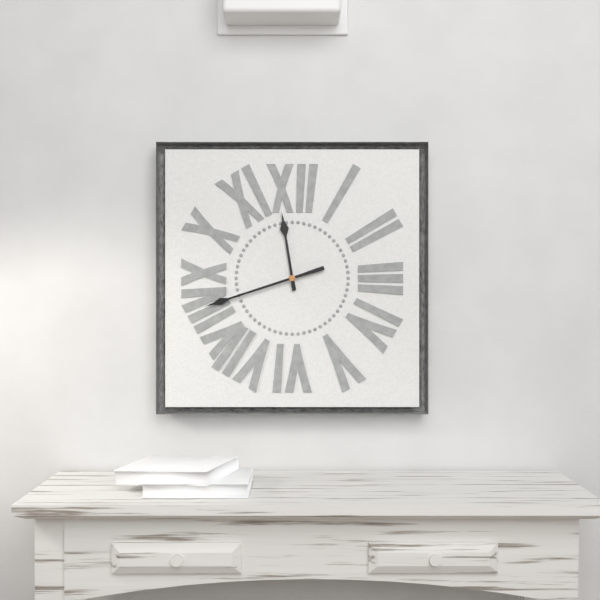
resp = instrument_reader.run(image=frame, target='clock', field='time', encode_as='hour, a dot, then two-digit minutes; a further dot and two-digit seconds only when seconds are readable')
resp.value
11.42
